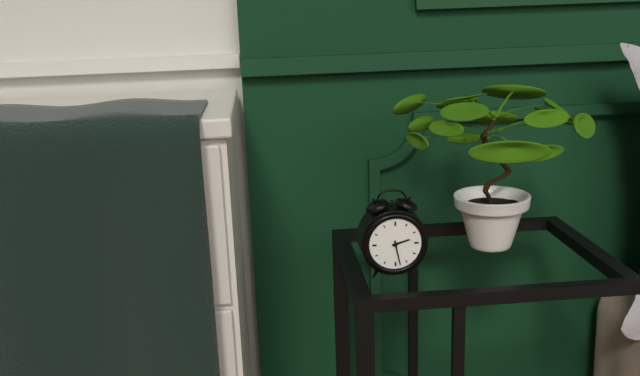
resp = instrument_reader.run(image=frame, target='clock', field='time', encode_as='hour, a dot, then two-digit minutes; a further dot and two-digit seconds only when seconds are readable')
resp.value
2.28
